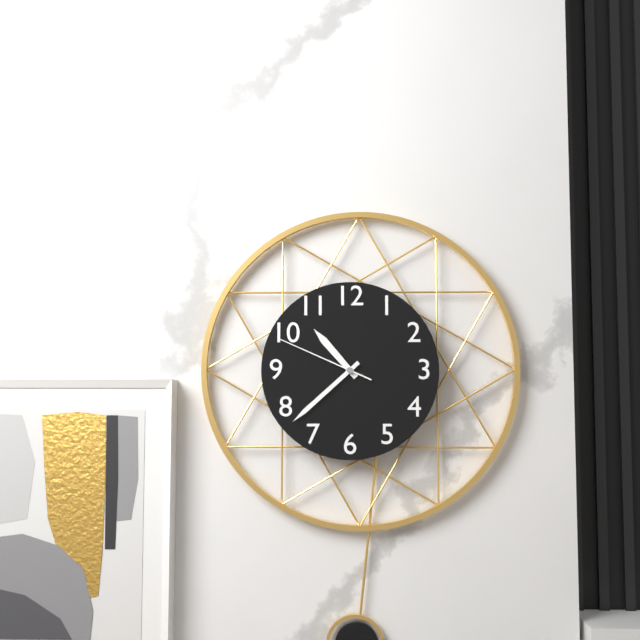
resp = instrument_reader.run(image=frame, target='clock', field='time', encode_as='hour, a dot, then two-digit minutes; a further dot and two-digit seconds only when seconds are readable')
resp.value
10.38.49
